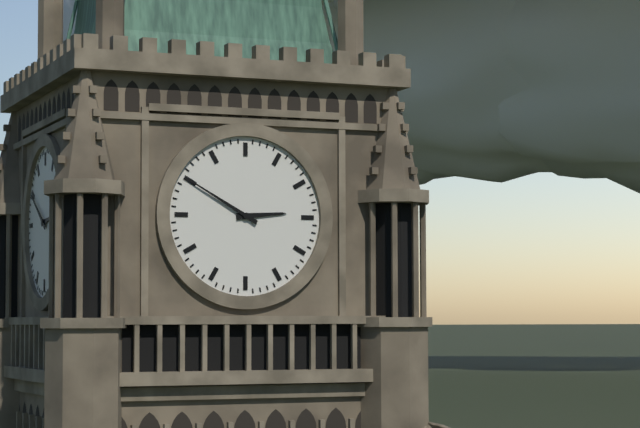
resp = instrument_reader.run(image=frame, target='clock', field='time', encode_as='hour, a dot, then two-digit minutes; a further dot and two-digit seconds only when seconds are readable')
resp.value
2.50
